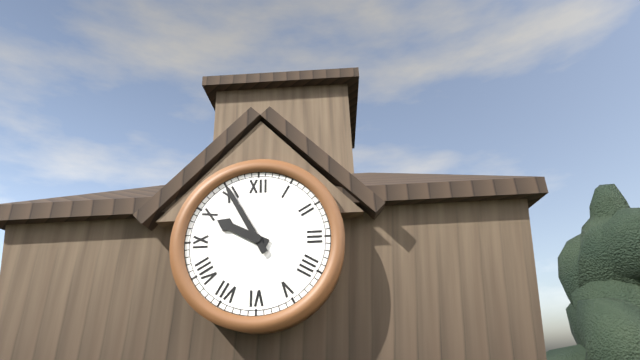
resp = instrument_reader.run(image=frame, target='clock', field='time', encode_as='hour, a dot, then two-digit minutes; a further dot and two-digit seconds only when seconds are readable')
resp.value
9.55
